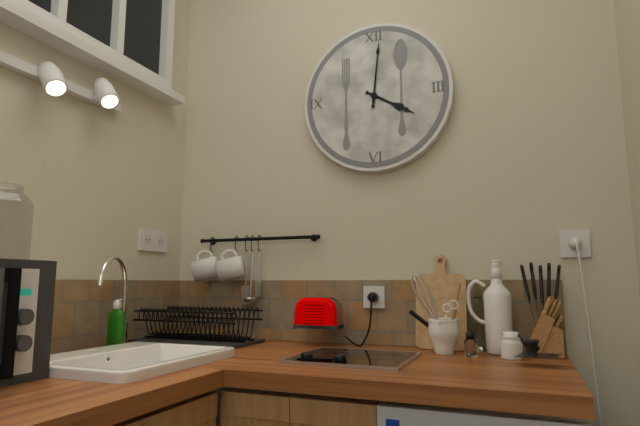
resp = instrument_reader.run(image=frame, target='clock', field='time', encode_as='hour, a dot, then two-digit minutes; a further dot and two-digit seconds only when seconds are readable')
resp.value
4.01
